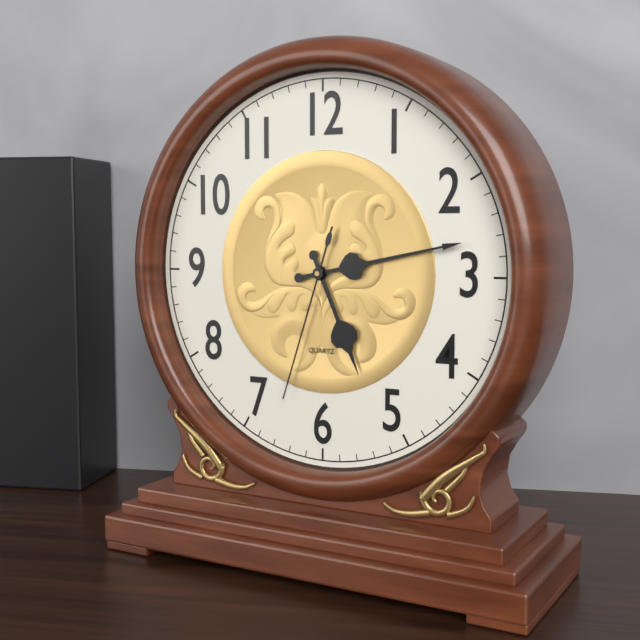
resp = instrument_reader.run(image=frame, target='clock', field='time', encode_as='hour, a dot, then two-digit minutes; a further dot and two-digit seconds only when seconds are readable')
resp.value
5.13.33
